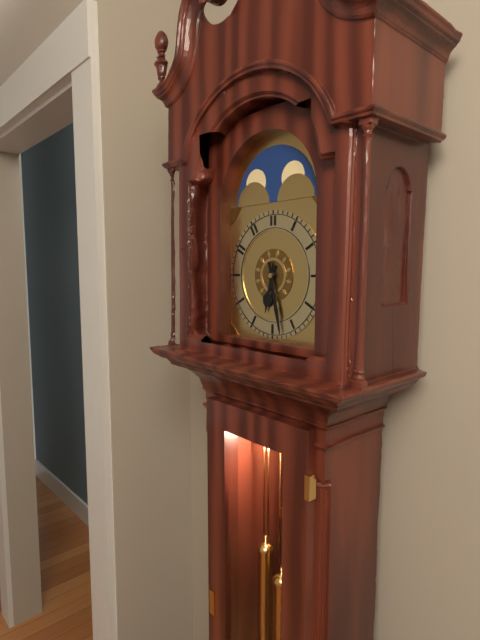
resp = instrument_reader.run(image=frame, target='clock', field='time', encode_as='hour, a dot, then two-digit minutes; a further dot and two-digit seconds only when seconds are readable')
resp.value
6.28
